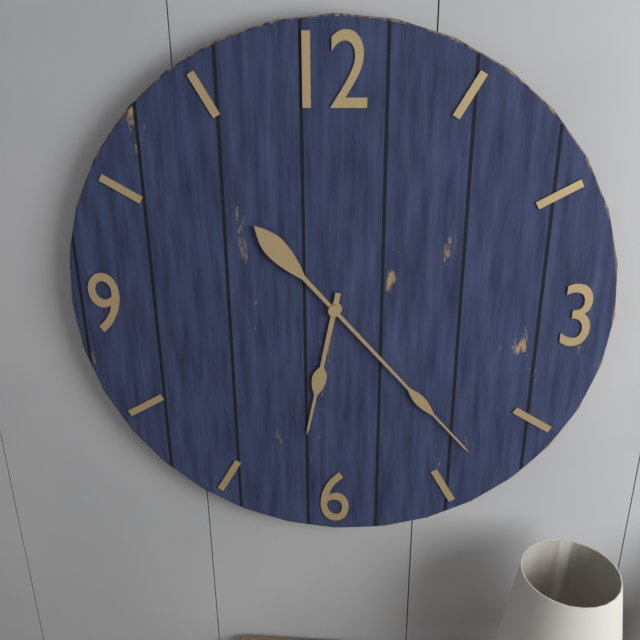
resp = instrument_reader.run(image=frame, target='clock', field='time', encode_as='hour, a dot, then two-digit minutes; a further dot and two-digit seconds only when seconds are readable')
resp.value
6.23
